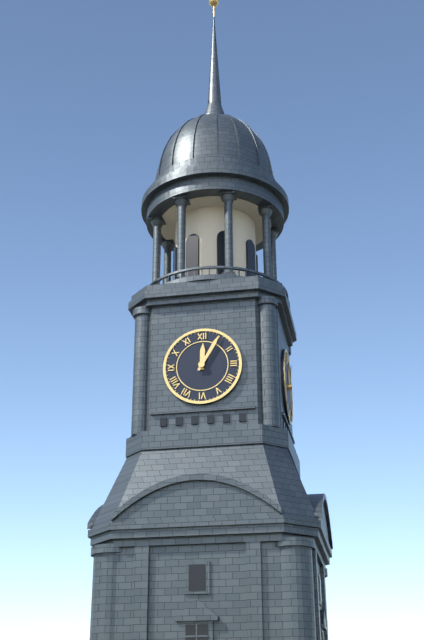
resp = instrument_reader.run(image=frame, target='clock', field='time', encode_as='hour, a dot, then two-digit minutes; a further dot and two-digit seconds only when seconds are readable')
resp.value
12.05
